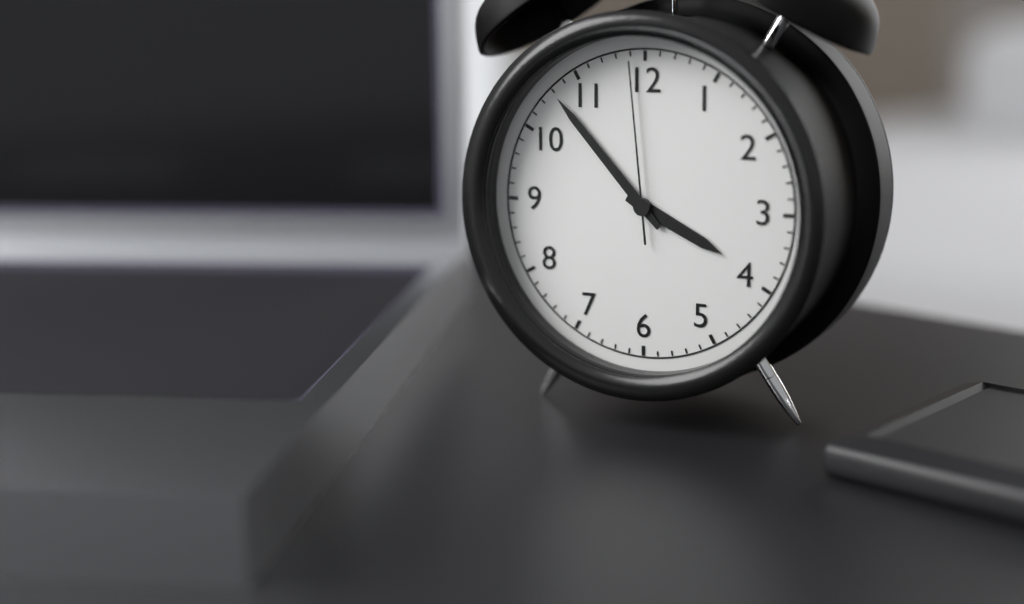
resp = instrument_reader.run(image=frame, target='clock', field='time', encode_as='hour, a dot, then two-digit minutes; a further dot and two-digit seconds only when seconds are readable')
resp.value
3.53.59
